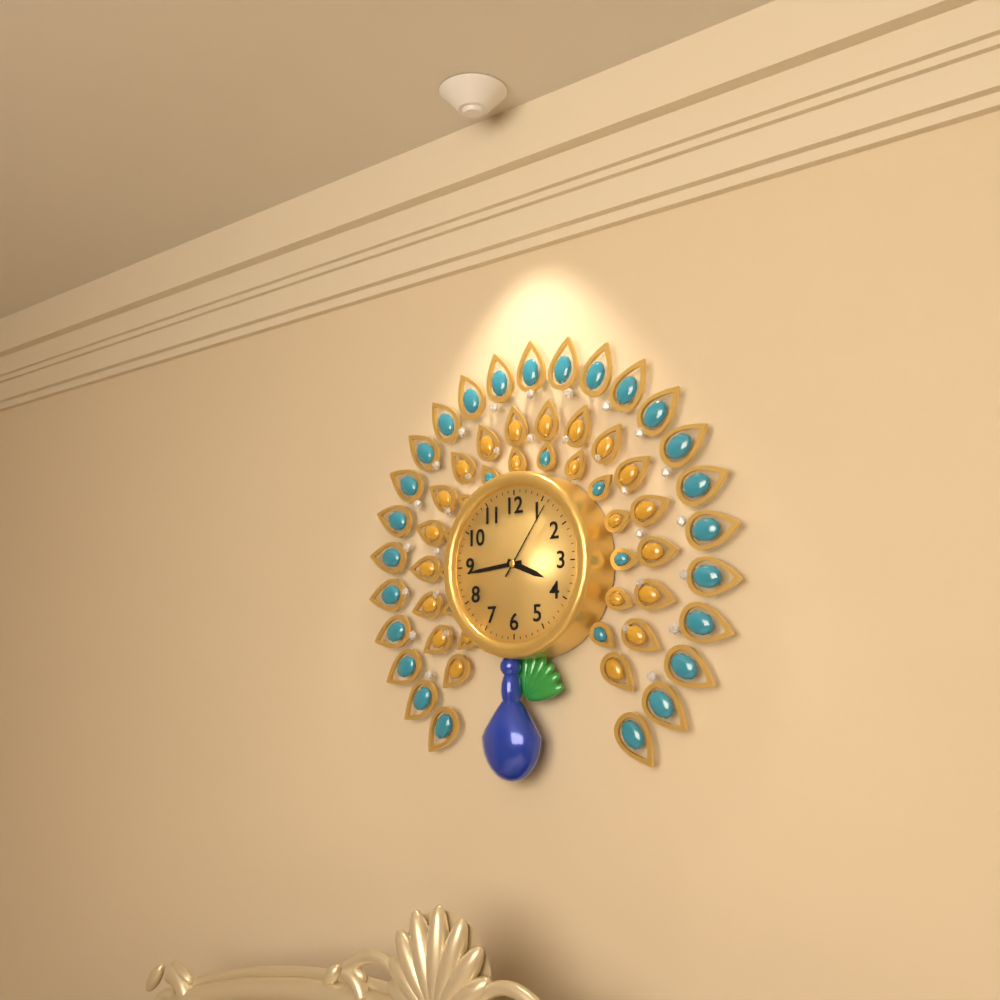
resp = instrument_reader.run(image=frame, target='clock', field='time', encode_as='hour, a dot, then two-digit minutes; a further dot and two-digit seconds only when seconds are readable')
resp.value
3.44.06
